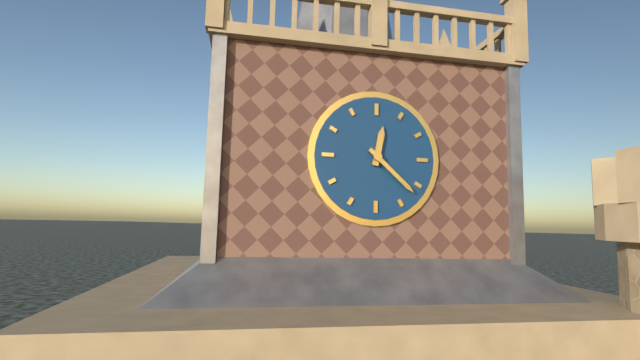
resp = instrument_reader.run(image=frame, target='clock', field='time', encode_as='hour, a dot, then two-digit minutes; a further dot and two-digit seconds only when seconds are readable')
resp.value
12.22
